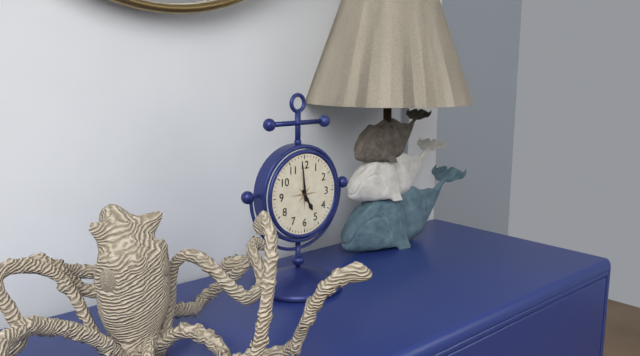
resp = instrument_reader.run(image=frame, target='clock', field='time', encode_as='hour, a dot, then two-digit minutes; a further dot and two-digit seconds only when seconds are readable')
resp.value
4.59
